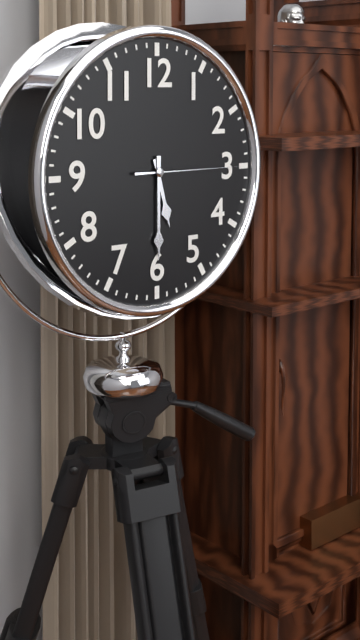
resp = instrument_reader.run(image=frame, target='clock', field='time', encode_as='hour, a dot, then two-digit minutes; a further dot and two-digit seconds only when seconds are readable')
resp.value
5.30.15
